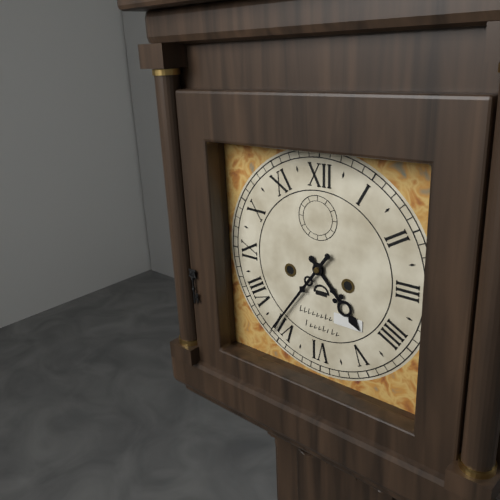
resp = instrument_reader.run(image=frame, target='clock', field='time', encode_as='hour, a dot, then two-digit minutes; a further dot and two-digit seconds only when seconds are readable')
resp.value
4.36
